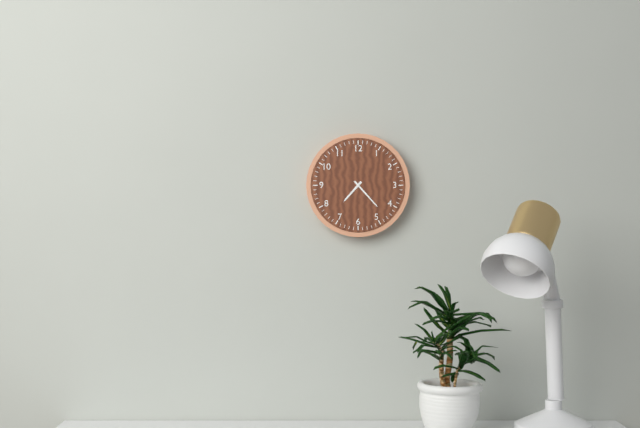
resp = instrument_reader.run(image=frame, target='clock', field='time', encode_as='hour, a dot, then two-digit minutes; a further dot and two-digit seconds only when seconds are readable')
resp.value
7.23
